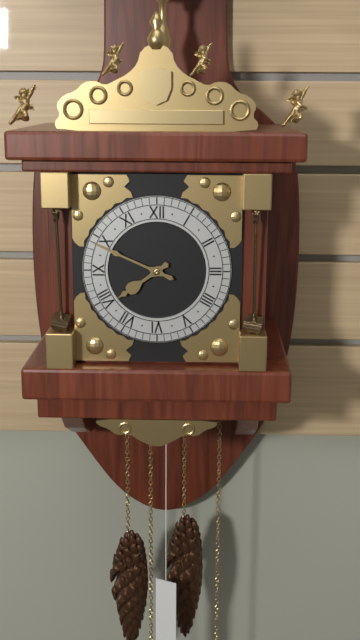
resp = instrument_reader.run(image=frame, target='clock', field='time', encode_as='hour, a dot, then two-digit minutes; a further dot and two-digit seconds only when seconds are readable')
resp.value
7.49
